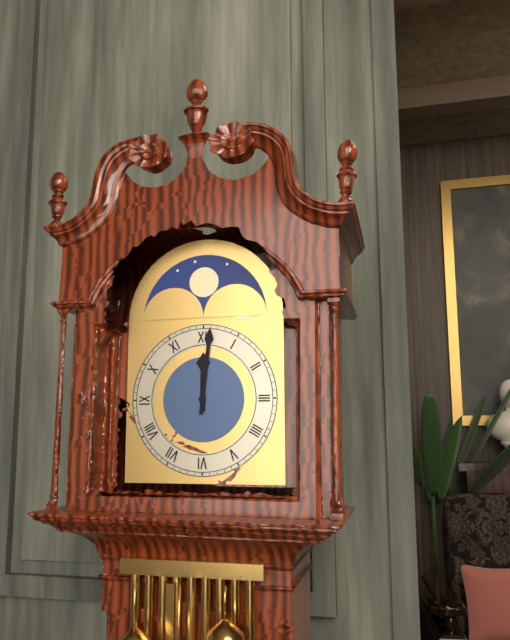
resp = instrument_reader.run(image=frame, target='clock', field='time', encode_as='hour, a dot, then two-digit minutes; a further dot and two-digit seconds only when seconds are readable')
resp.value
12.01
